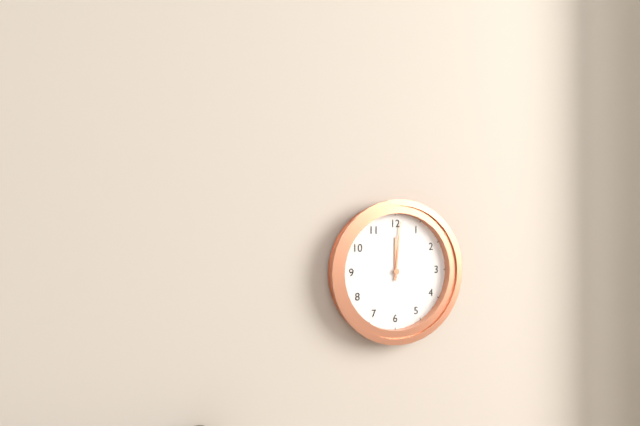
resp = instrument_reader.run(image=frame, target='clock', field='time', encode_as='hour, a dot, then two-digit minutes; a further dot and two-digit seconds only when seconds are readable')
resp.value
12.01
